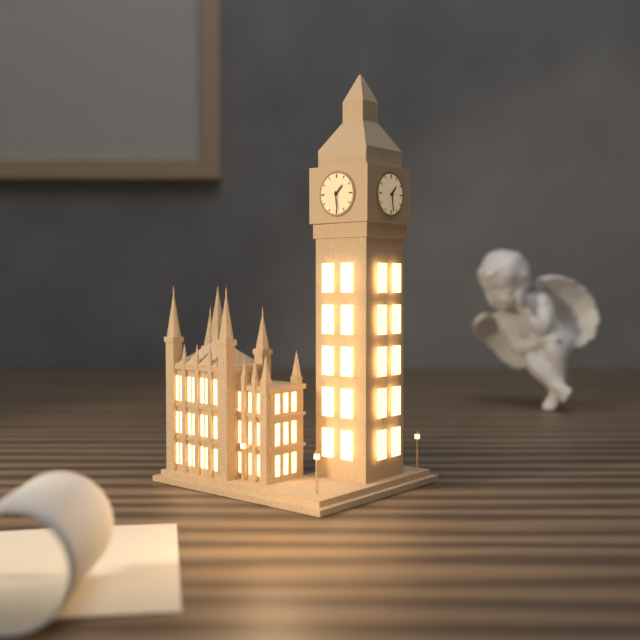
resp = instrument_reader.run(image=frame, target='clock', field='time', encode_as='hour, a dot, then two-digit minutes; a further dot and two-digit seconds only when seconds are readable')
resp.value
1.29
